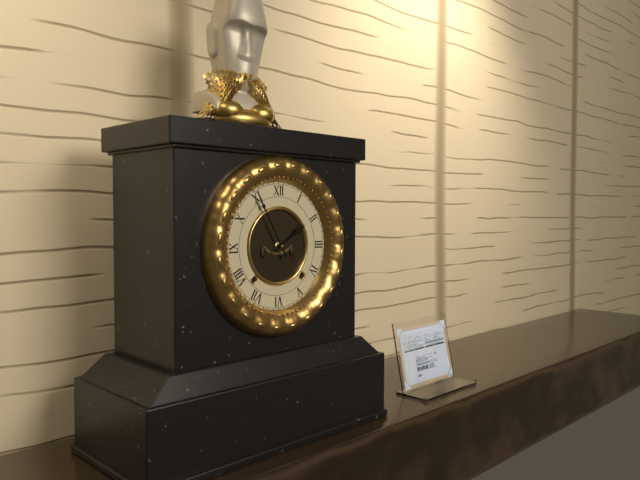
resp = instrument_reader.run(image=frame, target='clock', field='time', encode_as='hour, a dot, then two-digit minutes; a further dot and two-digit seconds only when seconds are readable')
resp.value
1.55
